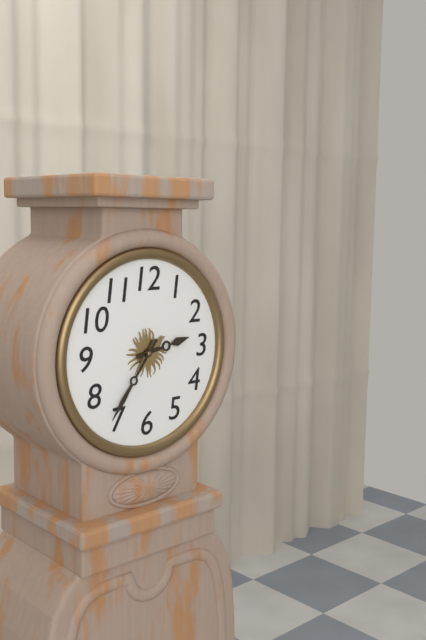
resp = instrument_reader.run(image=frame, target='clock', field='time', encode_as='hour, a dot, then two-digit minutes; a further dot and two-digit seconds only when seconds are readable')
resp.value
2.36
